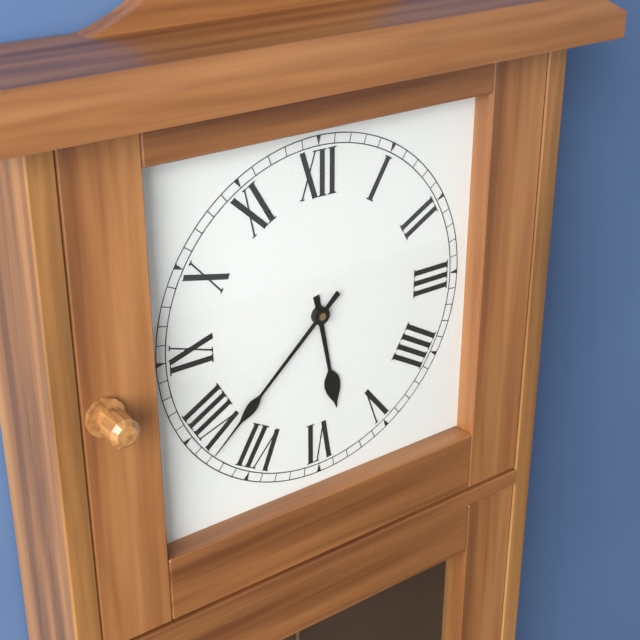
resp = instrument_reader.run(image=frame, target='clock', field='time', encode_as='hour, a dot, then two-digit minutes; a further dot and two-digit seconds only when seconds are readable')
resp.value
5.38
